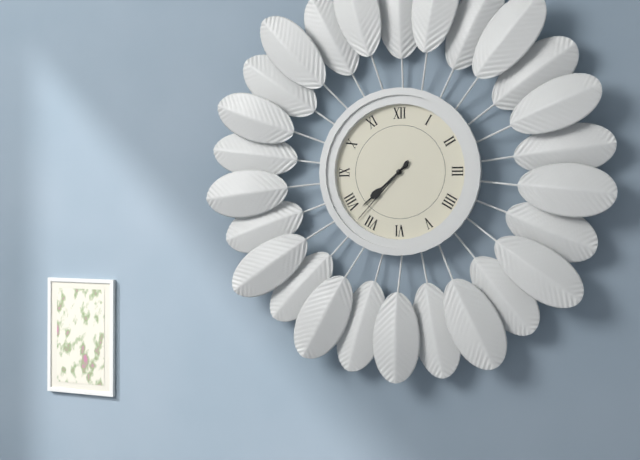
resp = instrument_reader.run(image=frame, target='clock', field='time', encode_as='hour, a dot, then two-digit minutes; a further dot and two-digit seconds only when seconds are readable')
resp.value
7.37
